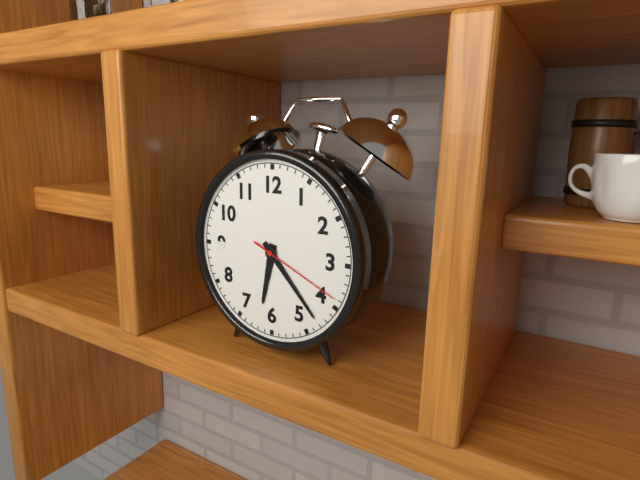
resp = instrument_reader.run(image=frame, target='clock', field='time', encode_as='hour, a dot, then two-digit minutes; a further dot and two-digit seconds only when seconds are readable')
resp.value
6.23.19
